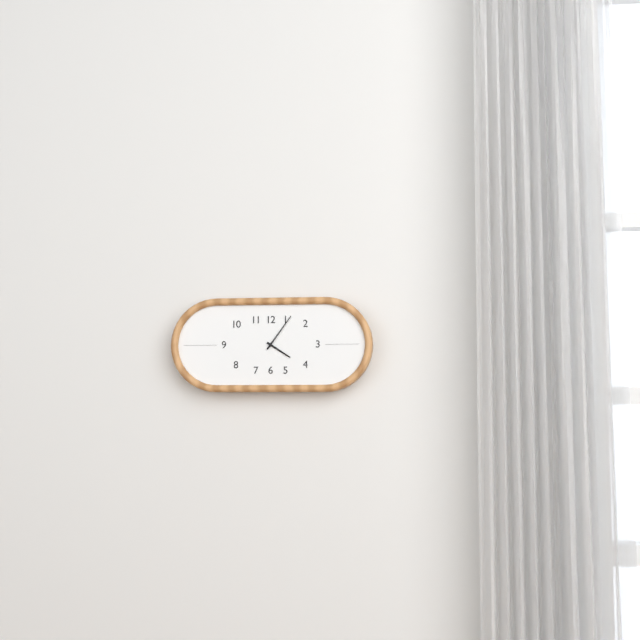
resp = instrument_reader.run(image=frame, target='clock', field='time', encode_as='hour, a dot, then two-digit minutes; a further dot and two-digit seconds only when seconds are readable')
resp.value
4.06
